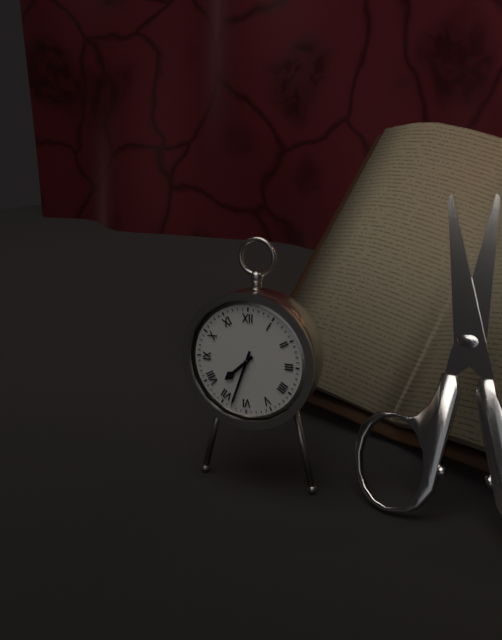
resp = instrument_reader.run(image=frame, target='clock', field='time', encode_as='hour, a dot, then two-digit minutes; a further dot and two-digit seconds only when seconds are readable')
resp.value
7.33
